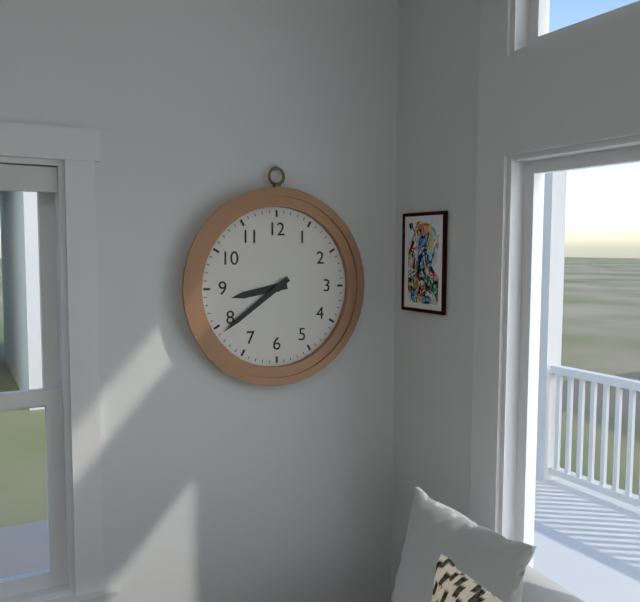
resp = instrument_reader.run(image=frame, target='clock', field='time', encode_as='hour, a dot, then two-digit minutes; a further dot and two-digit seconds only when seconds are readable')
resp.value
8.39
